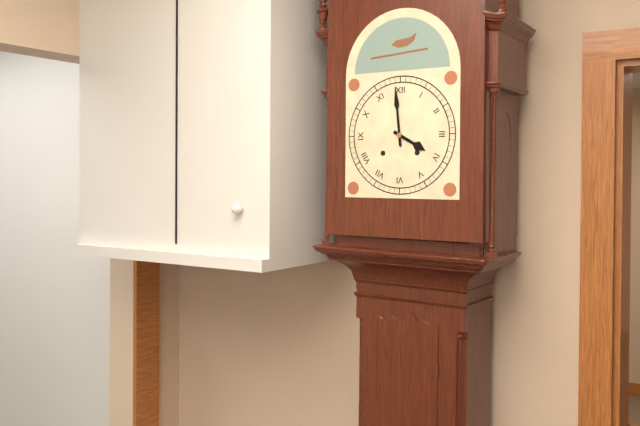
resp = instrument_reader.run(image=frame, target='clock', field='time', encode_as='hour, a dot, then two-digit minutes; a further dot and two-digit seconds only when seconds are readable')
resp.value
3.59
